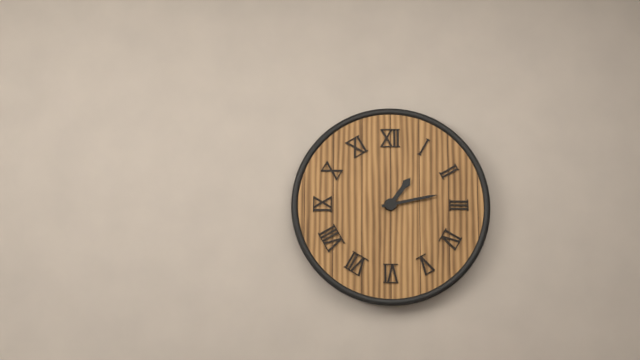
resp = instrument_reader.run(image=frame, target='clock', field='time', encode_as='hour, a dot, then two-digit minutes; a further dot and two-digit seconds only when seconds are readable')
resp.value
1.13
